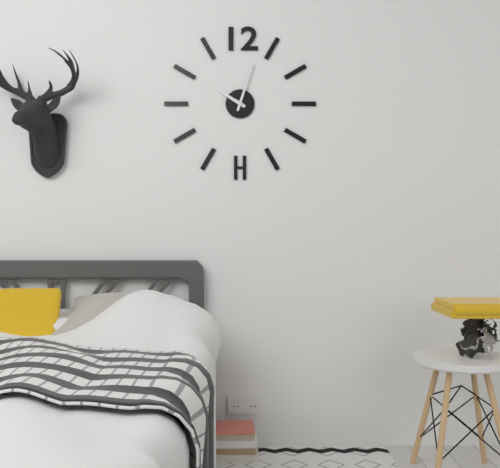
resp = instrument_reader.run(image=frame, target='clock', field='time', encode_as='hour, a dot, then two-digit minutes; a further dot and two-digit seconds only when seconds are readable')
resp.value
10.03
